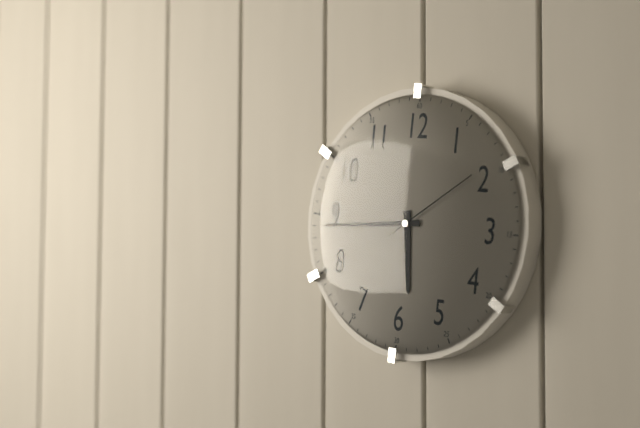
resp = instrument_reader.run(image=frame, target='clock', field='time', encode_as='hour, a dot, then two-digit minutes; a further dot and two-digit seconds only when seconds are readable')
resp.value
5.44.09
